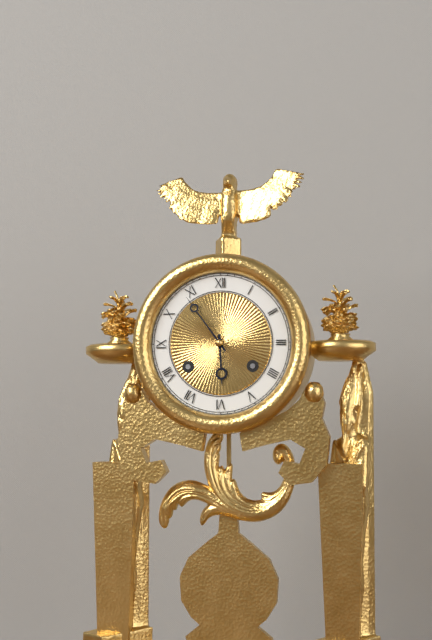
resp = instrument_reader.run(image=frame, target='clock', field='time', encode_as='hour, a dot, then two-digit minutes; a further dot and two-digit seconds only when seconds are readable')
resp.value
5.54
